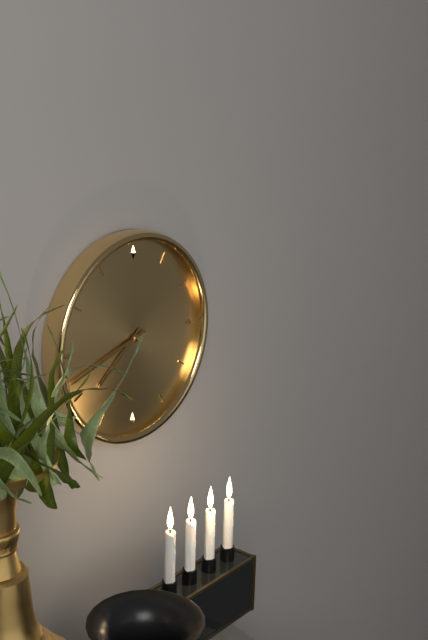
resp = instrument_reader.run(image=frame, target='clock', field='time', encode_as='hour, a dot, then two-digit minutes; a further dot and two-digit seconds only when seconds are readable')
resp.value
7.42
